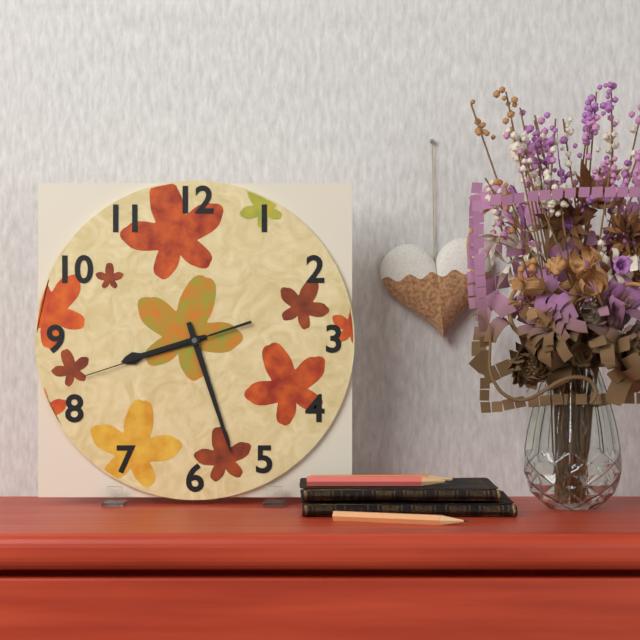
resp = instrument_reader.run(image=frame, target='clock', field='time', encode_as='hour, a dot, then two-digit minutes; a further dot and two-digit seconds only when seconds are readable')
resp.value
8.27.42
